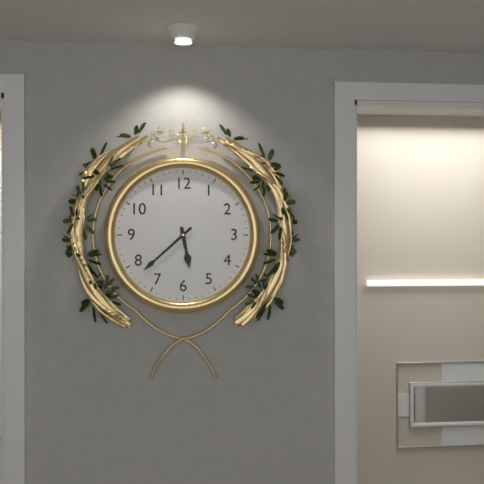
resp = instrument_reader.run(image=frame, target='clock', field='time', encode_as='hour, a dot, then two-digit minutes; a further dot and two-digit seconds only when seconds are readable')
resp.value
5.38
